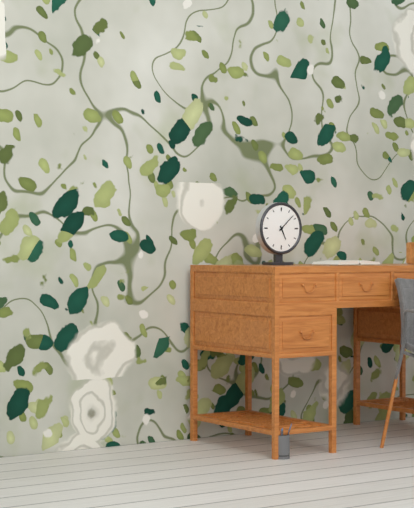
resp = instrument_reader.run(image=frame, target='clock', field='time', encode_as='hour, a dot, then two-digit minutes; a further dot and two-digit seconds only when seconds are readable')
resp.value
5.08
